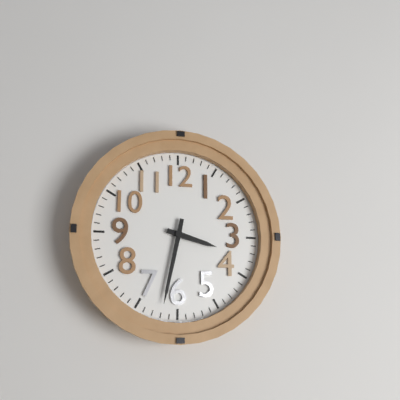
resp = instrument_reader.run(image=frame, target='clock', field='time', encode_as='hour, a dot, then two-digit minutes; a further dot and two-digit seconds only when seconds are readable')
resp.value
3.32
